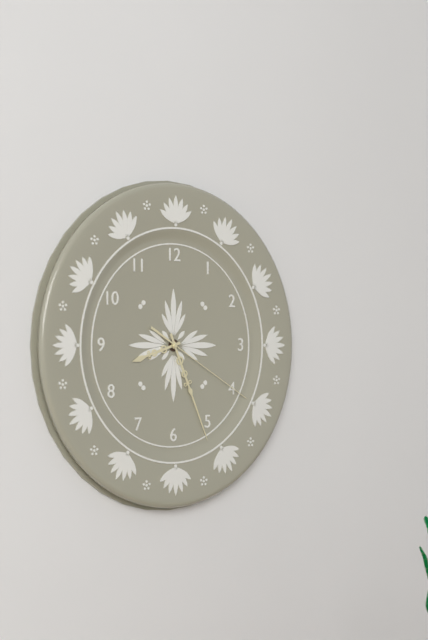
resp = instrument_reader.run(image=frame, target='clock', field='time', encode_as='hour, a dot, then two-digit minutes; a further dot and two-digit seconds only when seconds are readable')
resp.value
8.26.20
